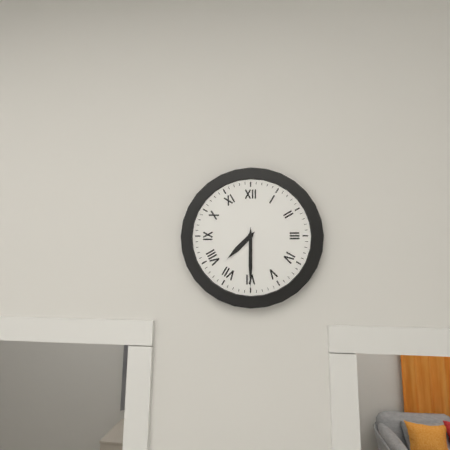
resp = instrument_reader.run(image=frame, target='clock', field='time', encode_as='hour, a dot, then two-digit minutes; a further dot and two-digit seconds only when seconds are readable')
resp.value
7.30
